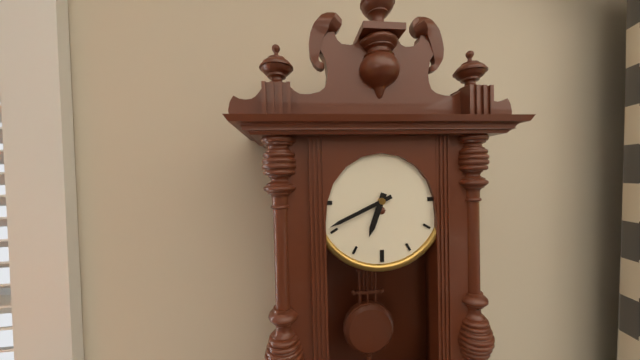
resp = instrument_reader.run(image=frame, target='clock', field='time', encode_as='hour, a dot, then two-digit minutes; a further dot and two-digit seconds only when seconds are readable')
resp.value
6.41
